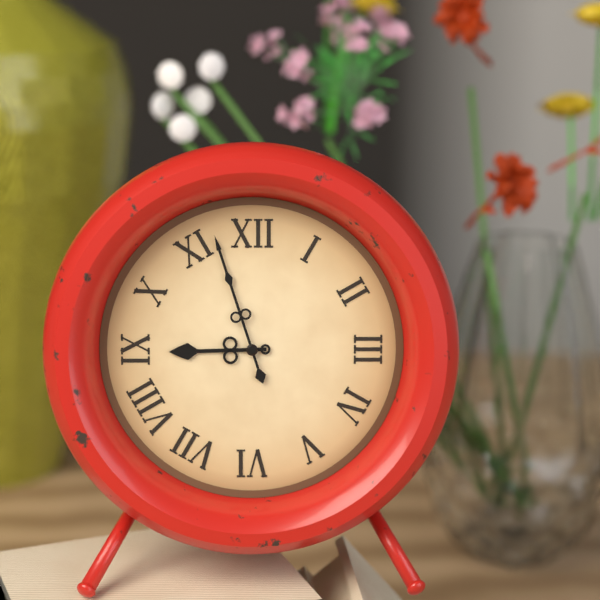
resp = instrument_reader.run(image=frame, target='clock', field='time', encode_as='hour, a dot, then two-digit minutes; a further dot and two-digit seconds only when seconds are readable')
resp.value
8.57
